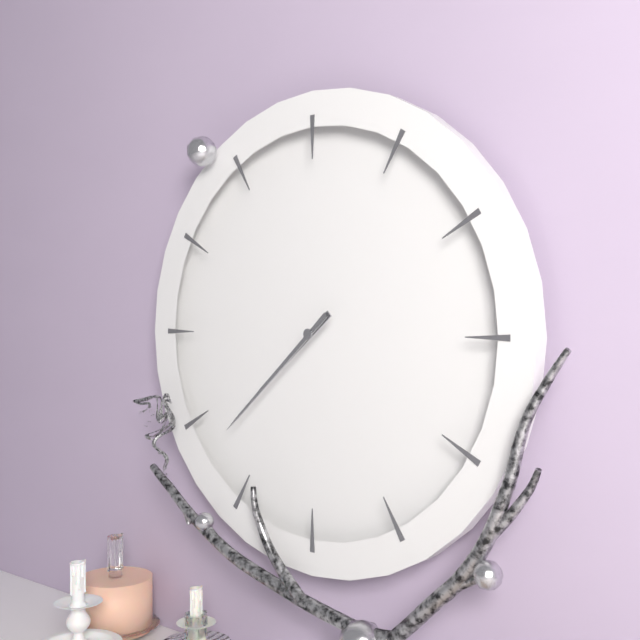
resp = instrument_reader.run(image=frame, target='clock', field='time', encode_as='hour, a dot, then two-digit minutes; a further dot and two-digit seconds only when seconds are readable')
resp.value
7.38
